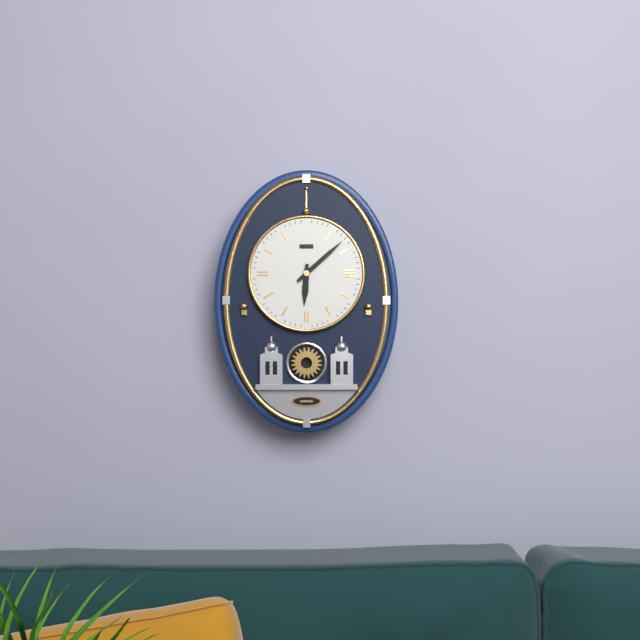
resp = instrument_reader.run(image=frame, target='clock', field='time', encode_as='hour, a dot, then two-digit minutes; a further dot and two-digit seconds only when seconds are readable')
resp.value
6.08
